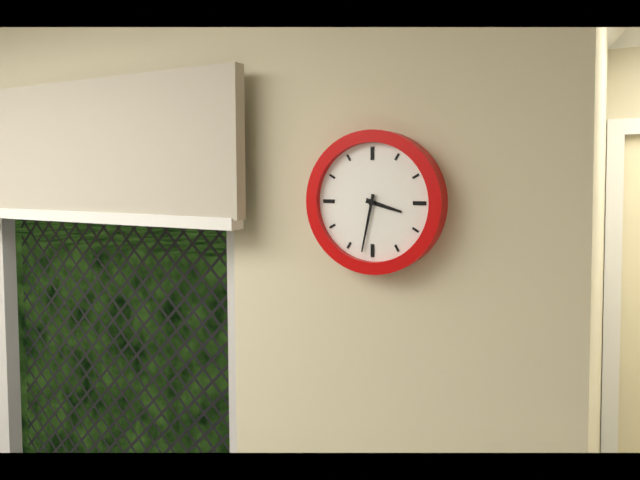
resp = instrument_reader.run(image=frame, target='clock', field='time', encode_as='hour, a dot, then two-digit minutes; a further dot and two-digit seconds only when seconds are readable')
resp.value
3.32
